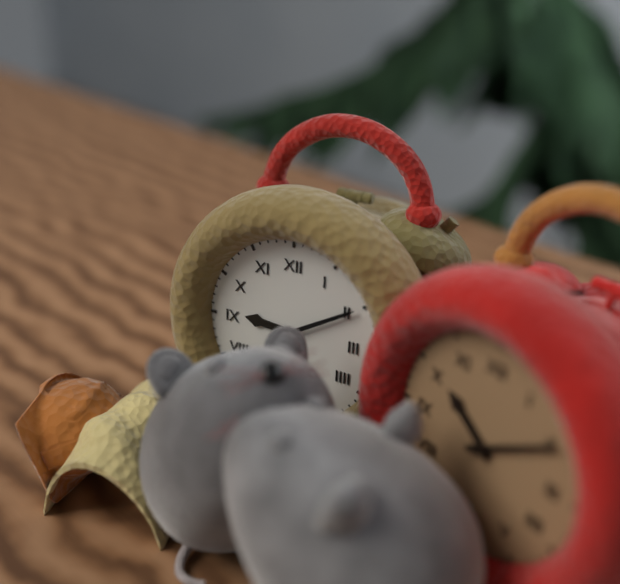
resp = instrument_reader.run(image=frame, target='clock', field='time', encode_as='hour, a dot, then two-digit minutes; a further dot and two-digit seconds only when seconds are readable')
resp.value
9.10
